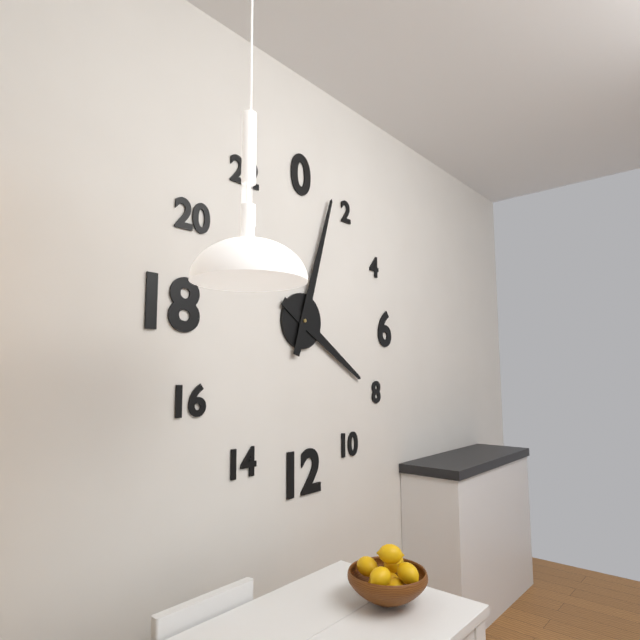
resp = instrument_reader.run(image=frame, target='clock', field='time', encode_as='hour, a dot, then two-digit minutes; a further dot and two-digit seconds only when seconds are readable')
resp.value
4.03
